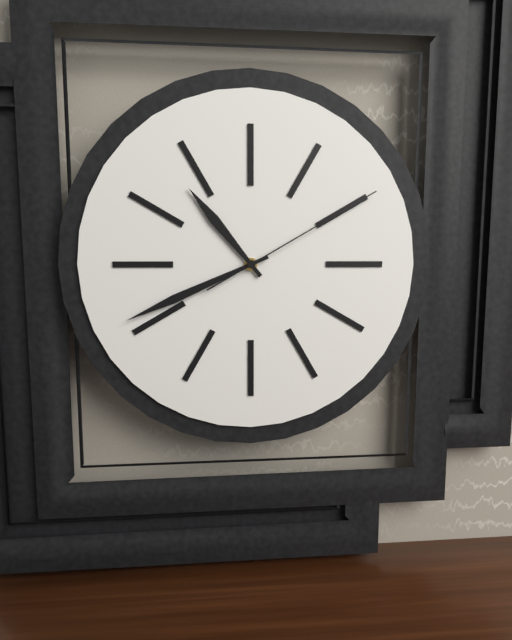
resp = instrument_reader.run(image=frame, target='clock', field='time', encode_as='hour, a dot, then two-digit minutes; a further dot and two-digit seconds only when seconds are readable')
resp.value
10.41.10
